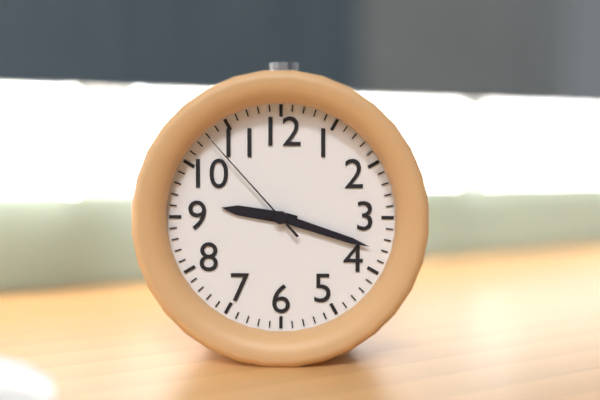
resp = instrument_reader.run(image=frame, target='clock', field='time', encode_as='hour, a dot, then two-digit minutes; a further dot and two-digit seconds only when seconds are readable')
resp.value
9.18.53
